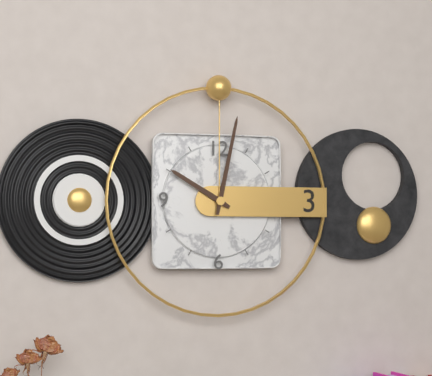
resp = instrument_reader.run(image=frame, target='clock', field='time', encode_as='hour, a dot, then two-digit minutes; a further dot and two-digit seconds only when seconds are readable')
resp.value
10.02
